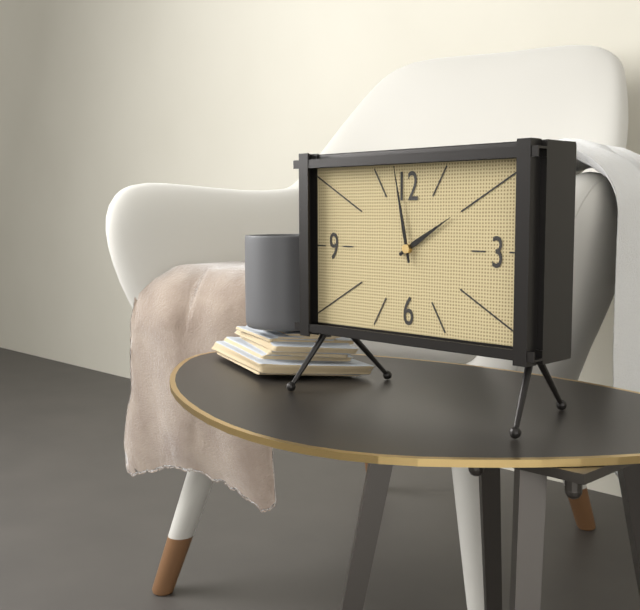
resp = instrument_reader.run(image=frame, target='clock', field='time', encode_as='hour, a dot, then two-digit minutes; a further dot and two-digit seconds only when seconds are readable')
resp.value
1.58
